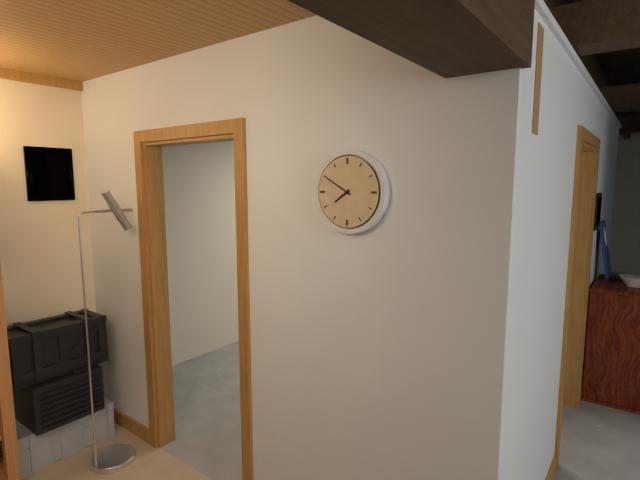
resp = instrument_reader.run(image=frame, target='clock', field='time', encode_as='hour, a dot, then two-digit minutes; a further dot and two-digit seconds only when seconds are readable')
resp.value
7.50
